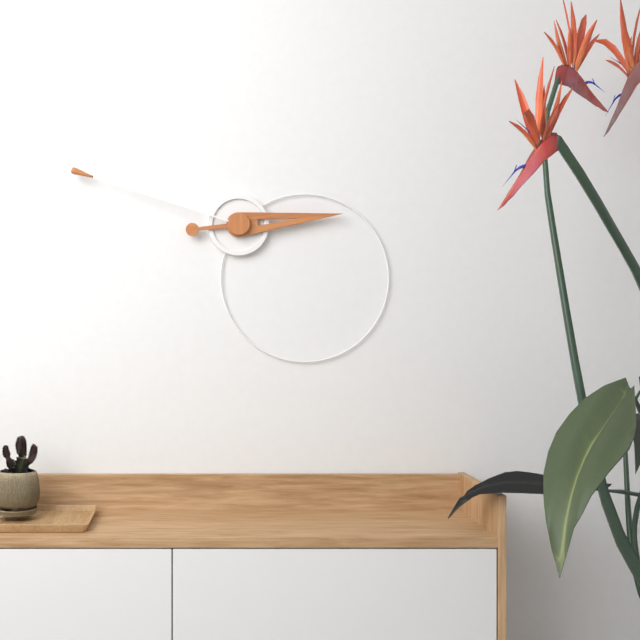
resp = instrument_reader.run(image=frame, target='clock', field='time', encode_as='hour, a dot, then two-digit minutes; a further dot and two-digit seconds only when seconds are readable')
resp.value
2.48
